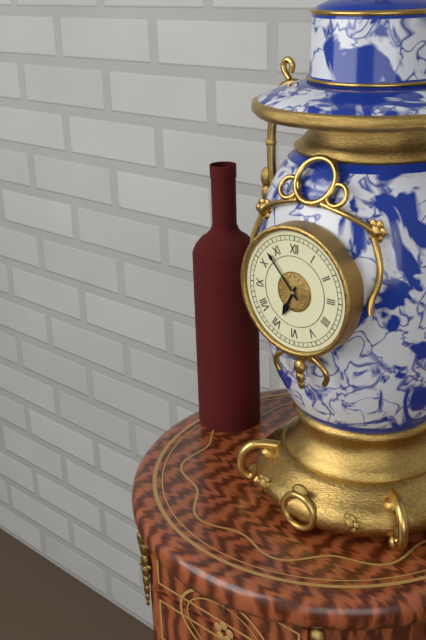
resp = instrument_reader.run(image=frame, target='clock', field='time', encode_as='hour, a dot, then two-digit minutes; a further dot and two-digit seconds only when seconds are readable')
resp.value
6.53
